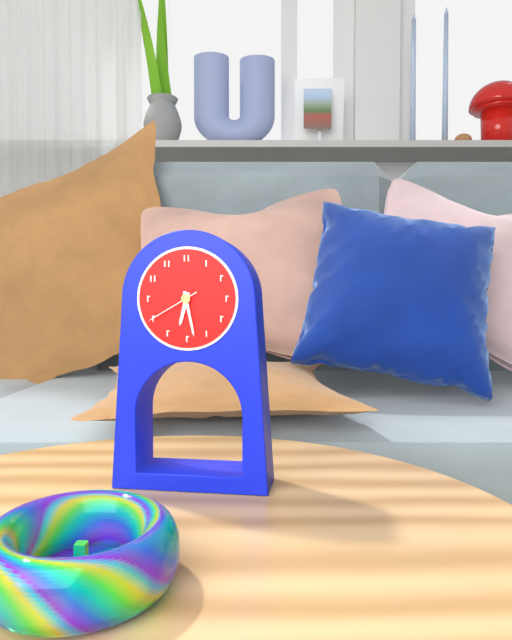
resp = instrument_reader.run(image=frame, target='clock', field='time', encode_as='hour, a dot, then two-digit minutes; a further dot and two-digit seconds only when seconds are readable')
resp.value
6.28.40
